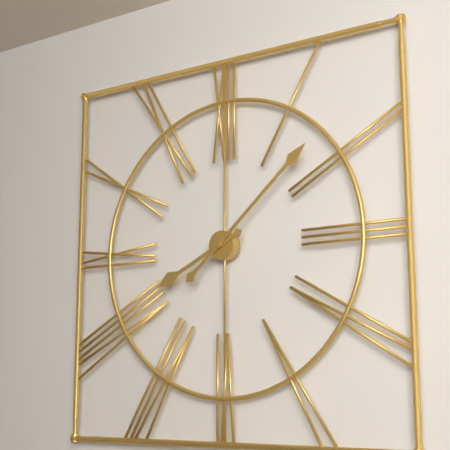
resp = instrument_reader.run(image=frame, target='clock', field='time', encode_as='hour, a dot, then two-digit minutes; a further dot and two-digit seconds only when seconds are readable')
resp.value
8.08
